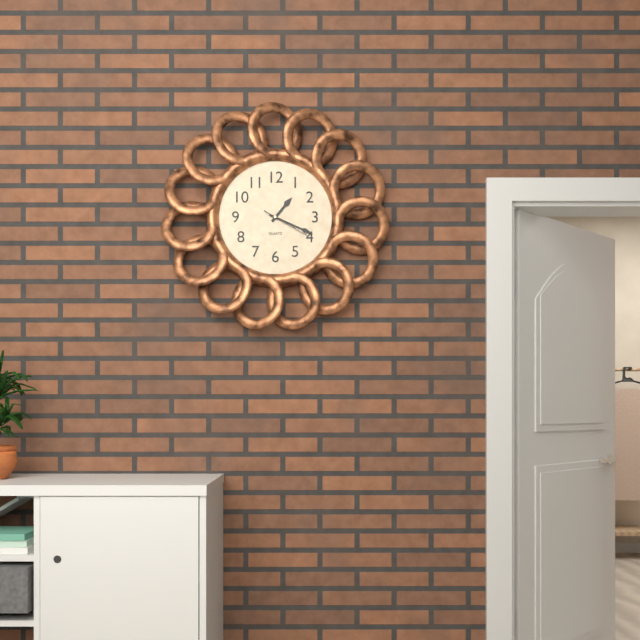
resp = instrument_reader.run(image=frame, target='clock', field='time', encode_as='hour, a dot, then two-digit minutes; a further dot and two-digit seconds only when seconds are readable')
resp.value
1.19
